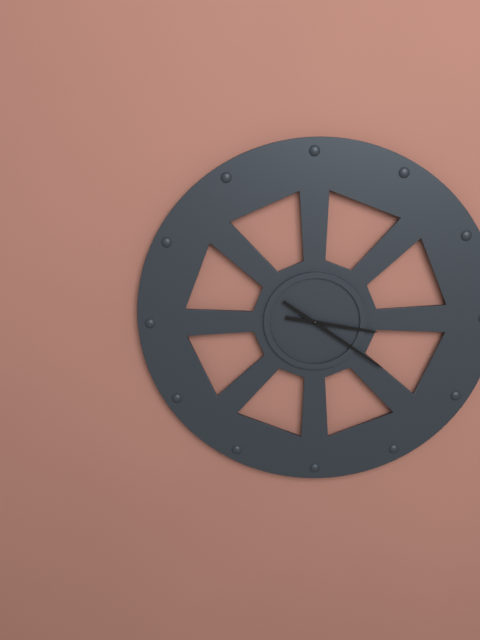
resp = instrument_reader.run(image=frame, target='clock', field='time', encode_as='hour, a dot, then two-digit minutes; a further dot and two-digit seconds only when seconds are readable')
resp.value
3.21
